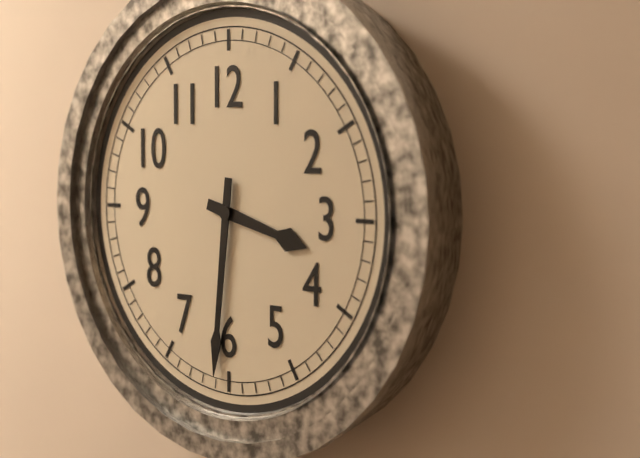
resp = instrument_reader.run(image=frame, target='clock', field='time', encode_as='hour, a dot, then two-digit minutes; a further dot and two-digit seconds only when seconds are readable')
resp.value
3.31
